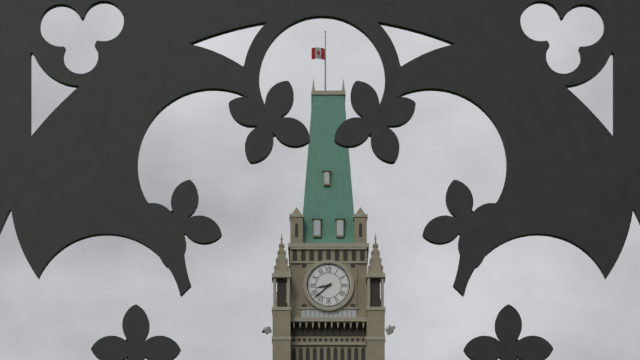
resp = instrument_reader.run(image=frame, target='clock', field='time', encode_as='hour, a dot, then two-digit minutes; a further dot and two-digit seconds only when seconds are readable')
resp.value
8.38
